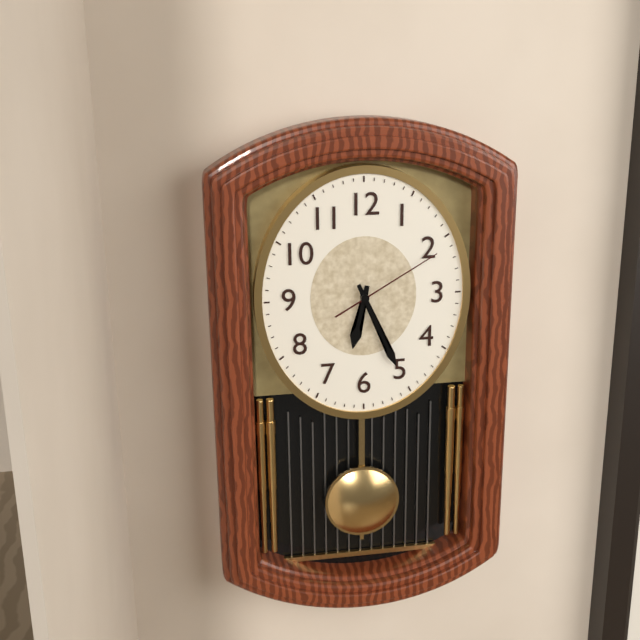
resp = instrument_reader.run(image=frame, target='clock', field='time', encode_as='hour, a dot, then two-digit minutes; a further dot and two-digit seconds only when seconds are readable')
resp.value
6.26.10
